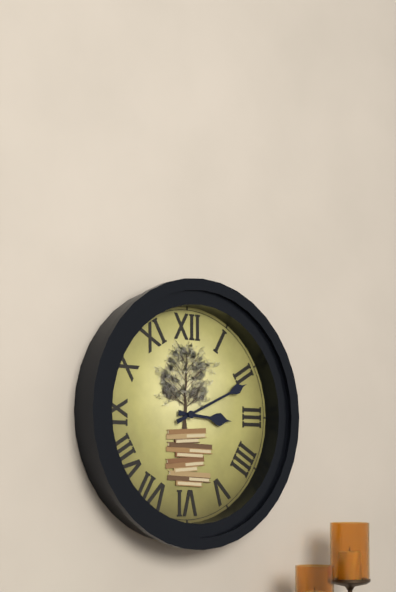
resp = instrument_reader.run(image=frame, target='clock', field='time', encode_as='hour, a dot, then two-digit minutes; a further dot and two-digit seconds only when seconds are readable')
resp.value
3.11
